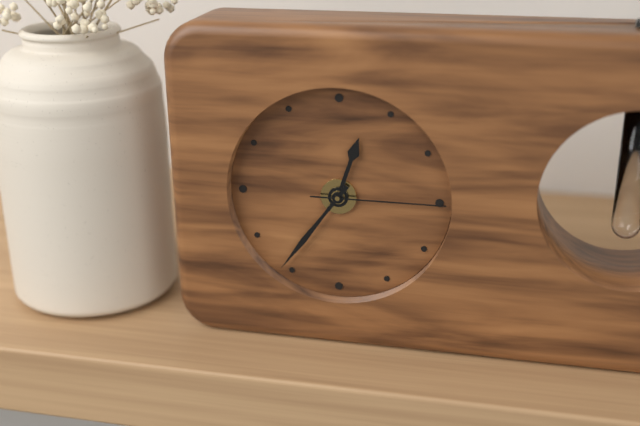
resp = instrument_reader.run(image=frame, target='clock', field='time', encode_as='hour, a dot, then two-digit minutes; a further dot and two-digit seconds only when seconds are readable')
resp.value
12.36.15
